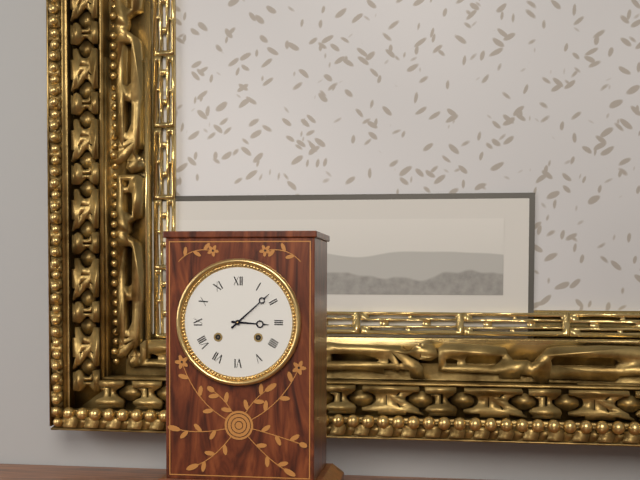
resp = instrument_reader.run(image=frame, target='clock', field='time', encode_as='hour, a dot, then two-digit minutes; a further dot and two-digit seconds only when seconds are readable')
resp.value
3.08
